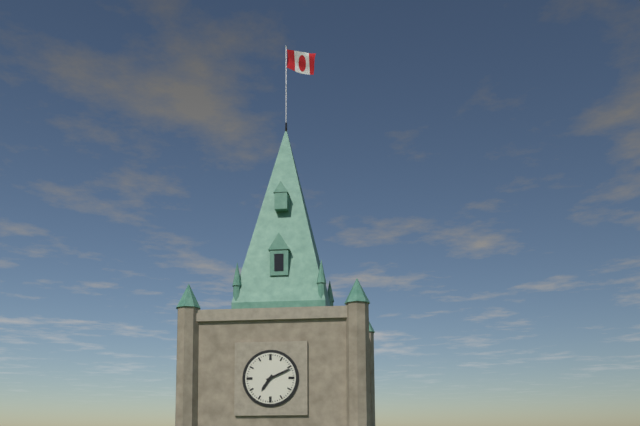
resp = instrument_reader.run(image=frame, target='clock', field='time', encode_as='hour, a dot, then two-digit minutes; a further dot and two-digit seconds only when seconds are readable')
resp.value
7.11
